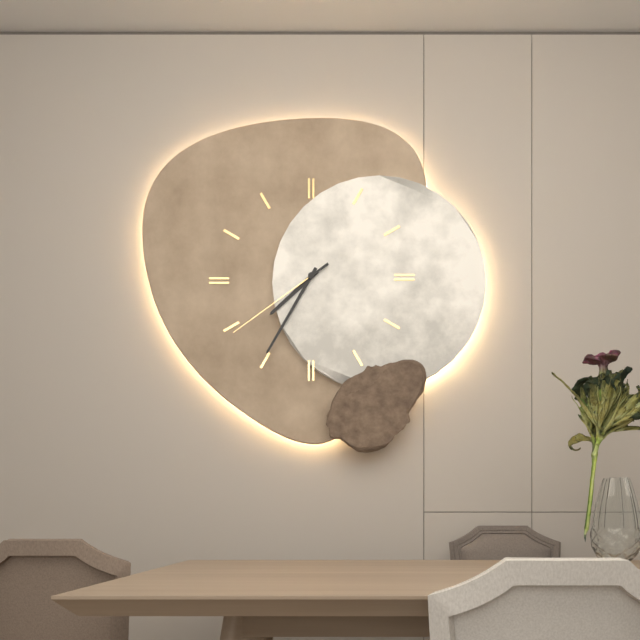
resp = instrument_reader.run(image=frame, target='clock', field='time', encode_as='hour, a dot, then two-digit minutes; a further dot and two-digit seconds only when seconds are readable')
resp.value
7.35.39
